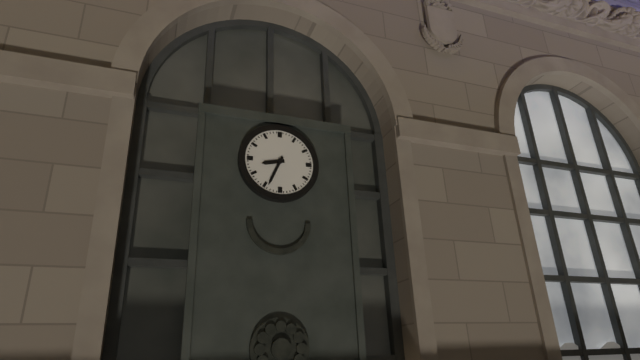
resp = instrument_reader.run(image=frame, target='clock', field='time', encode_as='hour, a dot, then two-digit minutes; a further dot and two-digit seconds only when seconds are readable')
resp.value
8.34
